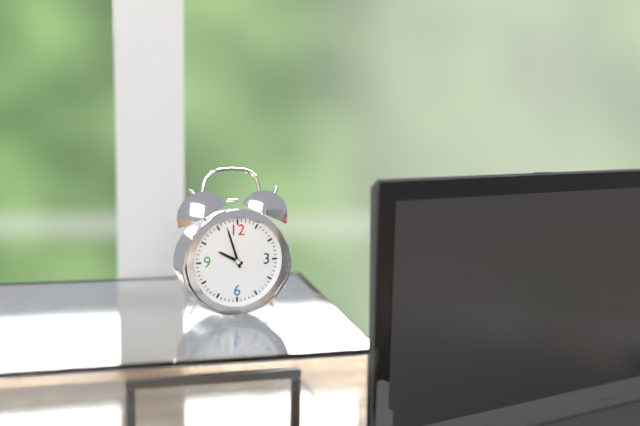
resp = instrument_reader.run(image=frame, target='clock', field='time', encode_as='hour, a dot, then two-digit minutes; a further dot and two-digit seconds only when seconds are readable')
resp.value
9.57
